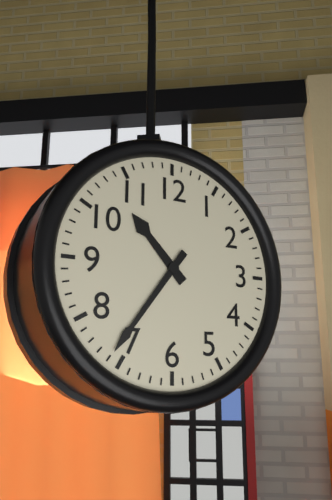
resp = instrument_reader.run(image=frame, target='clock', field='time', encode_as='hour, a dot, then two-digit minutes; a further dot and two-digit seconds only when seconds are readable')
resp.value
10.36
